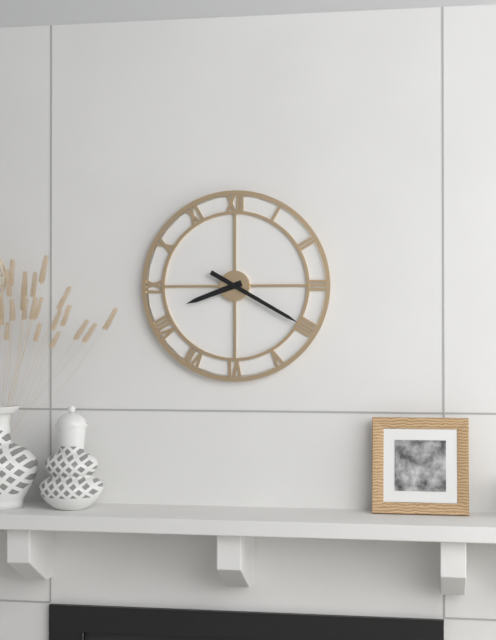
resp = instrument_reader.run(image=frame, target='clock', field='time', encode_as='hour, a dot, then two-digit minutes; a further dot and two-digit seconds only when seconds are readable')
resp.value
8.20
